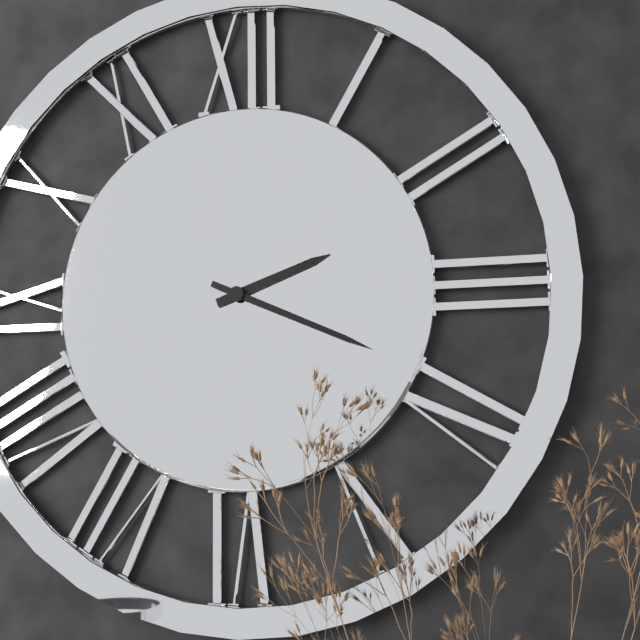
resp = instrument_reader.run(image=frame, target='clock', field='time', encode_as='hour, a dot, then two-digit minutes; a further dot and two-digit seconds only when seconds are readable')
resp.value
2.19
